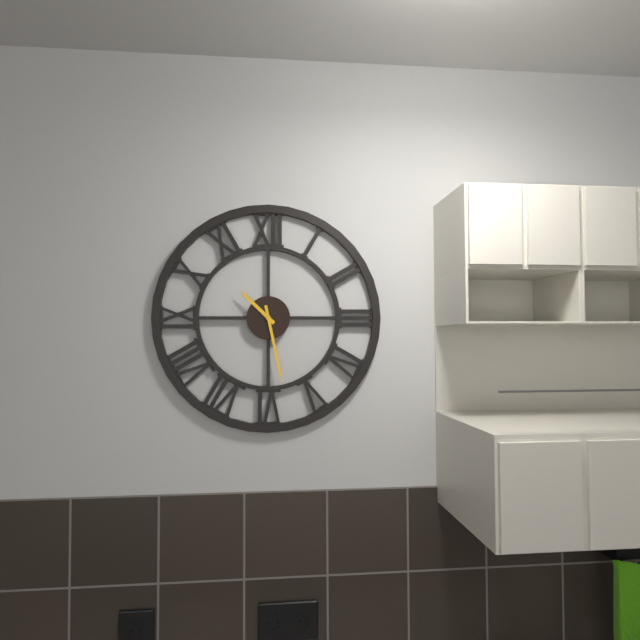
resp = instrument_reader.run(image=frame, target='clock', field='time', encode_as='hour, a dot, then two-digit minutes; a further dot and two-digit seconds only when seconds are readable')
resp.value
10.28
